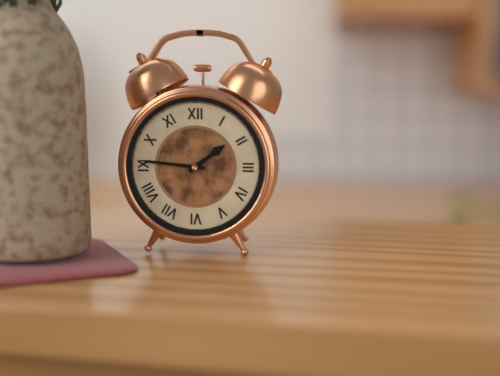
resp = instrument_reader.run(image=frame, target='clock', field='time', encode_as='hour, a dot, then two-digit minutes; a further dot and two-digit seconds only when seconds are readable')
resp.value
1.46
